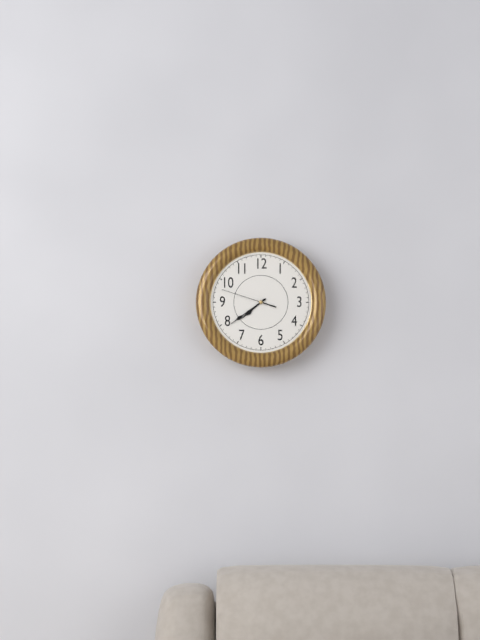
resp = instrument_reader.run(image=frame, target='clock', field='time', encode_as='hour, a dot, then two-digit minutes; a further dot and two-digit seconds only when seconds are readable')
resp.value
7.39.48
